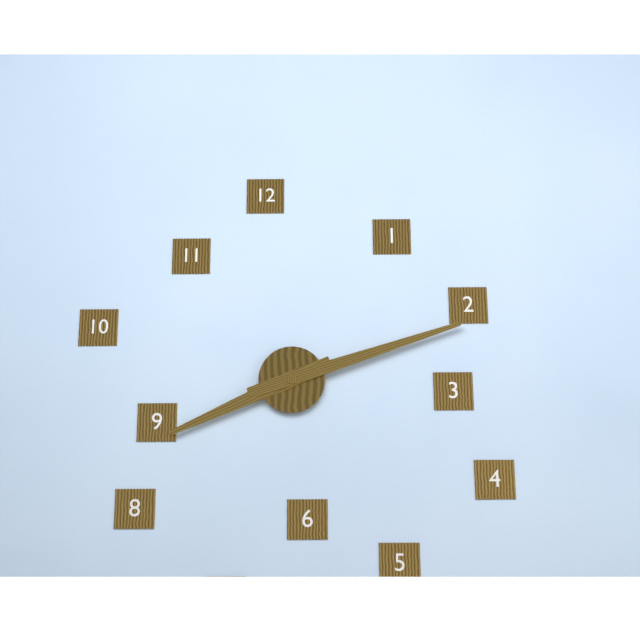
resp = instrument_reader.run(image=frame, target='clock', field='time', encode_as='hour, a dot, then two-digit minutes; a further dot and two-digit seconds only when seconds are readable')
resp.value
8.12
